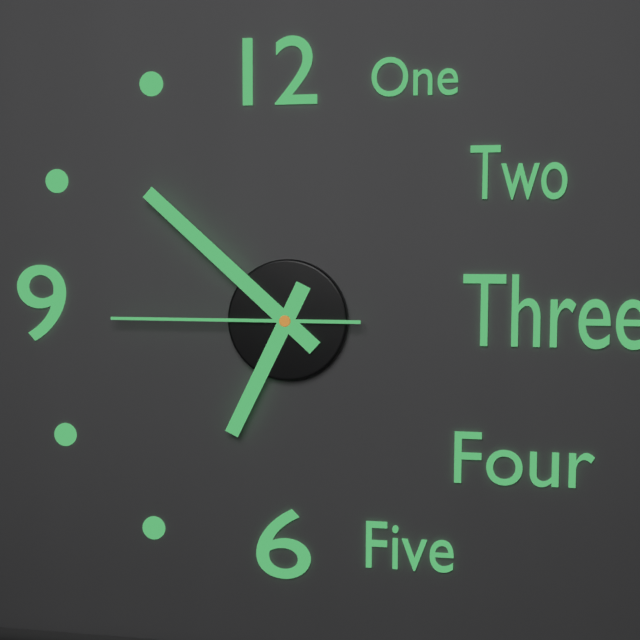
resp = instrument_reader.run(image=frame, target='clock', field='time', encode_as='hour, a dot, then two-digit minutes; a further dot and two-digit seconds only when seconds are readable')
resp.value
6.52.45
